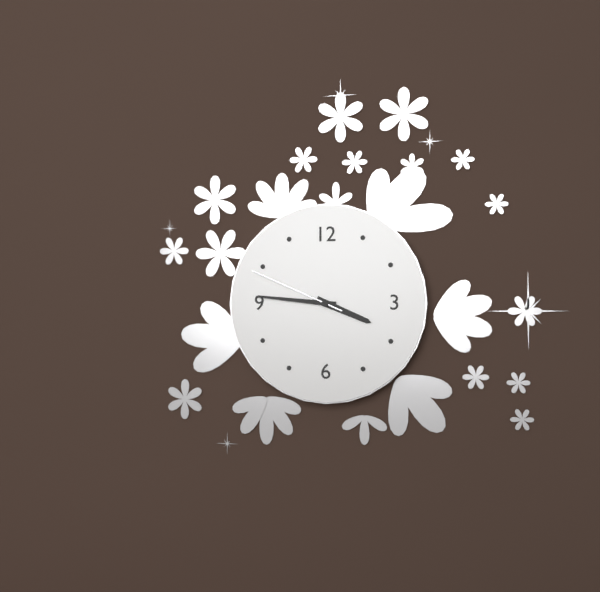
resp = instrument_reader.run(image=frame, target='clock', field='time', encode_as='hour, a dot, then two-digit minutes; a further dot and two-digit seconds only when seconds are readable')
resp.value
3.46.49
